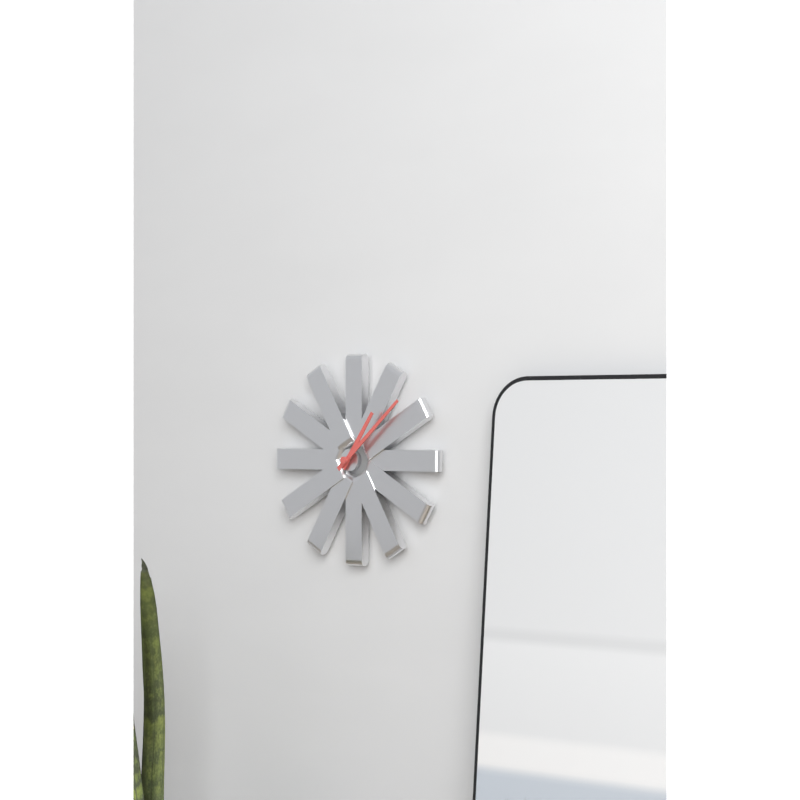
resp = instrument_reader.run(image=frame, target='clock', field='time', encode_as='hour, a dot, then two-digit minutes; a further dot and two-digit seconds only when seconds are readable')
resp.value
1.08
